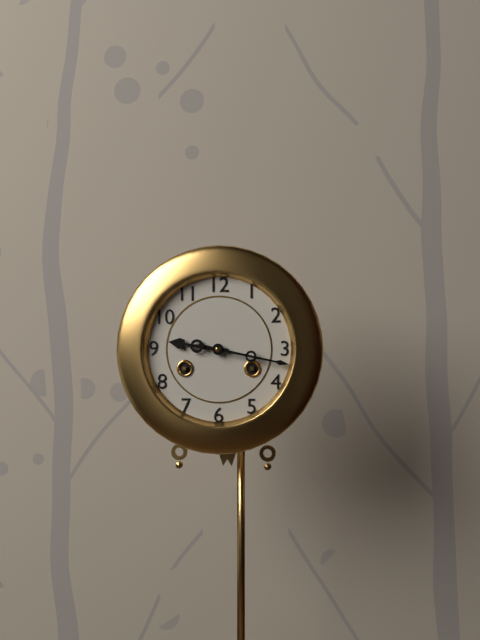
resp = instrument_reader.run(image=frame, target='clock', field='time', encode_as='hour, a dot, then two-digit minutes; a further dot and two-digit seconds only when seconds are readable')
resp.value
9.17
